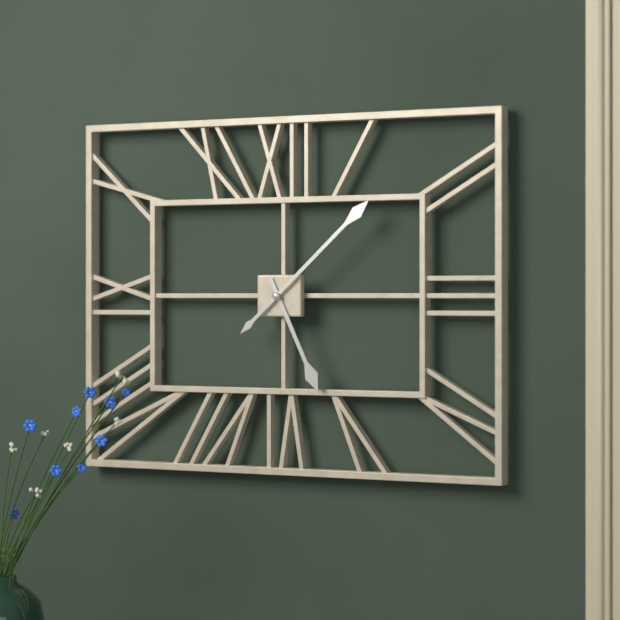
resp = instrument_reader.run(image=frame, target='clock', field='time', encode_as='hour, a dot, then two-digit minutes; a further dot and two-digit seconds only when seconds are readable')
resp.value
5.08
